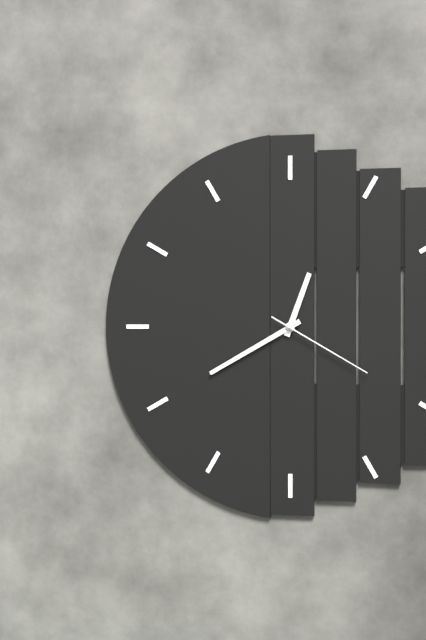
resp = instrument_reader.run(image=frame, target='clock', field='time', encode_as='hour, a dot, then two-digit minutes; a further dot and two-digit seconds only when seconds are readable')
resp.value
12.40.20
